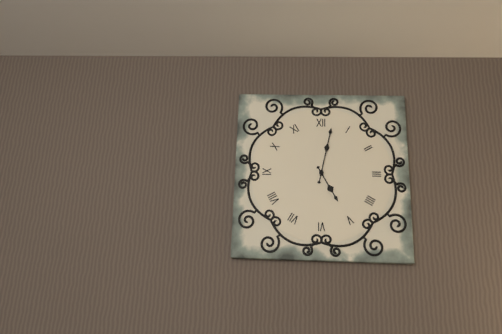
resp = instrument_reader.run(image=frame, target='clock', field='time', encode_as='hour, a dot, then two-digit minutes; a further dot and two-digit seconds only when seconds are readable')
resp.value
5.02
